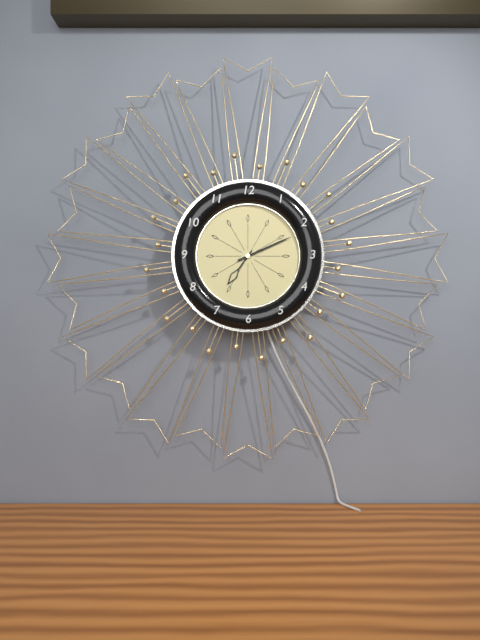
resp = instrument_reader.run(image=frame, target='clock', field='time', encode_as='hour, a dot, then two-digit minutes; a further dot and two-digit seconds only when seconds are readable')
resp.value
7.11
